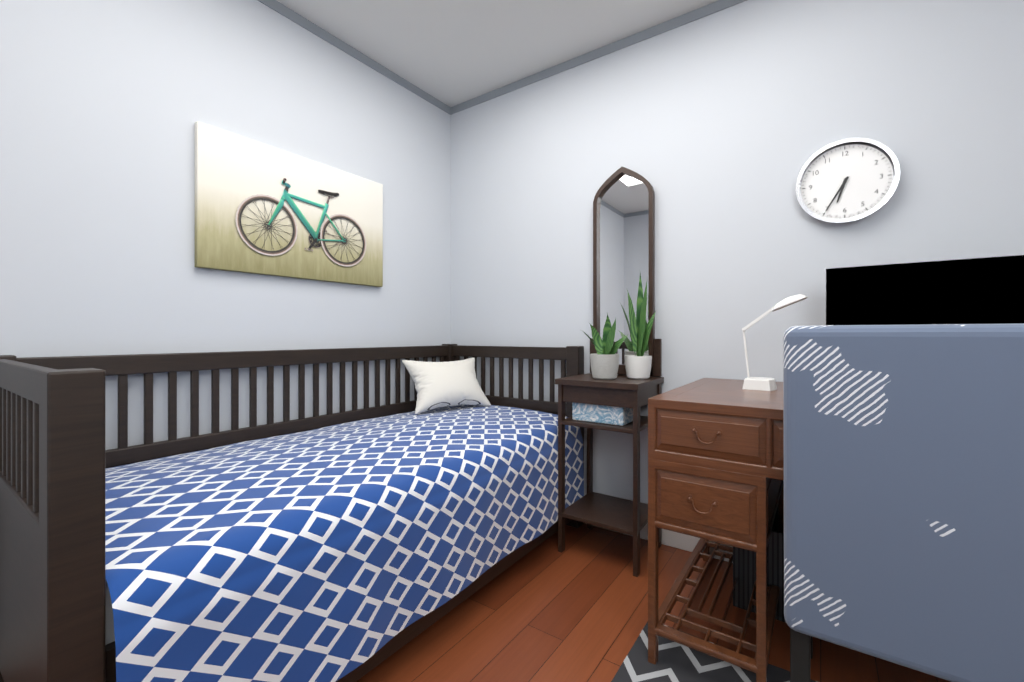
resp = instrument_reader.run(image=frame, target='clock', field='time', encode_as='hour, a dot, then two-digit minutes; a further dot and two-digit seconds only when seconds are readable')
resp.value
6.35
